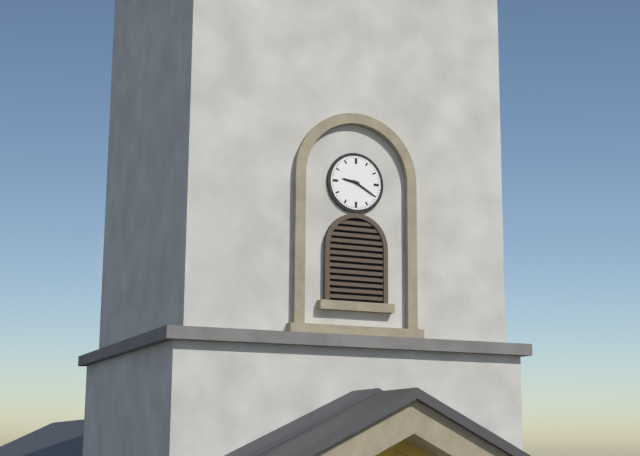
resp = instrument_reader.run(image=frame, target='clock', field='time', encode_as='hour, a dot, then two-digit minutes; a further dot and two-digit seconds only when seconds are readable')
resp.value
9.20
